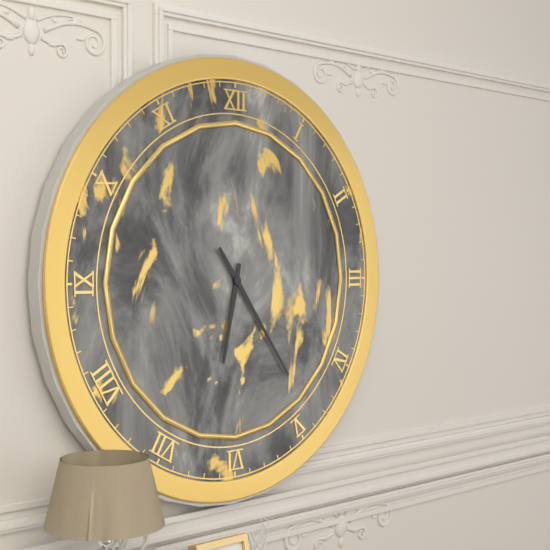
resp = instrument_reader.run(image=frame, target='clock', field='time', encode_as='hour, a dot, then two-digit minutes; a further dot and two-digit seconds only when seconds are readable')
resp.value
6.24
